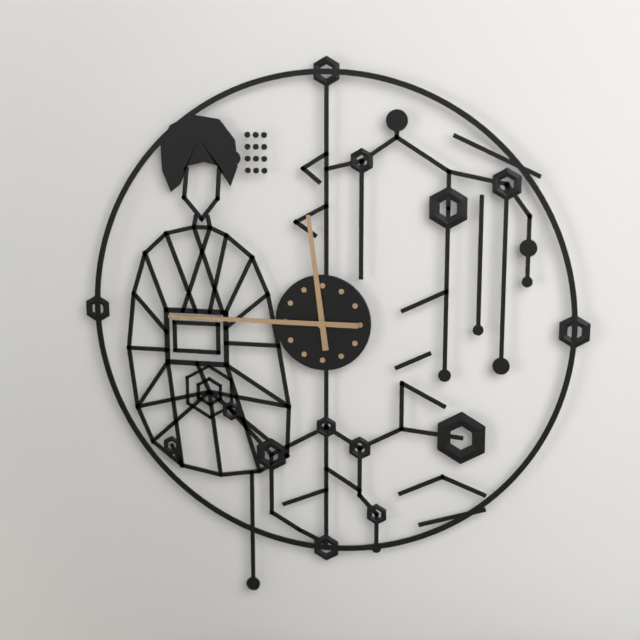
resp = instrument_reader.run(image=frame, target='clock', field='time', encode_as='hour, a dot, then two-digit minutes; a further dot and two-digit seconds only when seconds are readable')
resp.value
11.45
